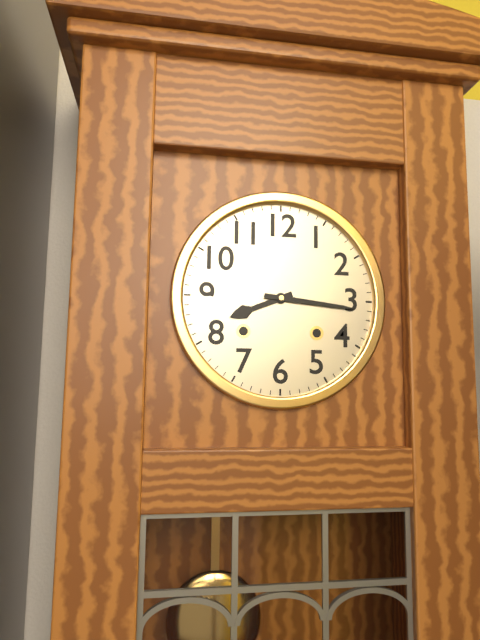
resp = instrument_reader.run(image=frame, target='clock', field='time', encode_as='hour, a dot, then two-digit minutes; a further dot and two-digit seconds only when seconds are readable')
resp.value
8.16
